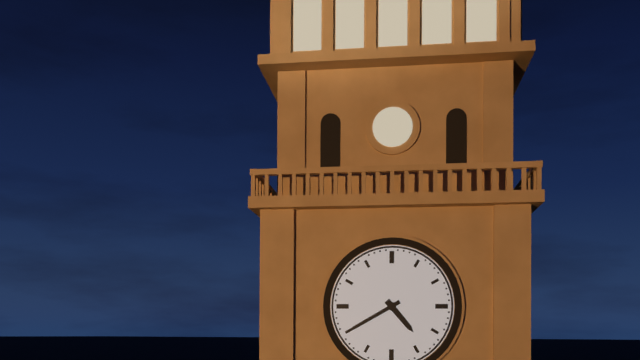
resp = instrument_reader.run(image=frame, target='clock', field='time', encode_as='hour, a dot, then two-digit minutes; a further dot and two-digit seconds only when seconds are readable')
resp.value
4.40
